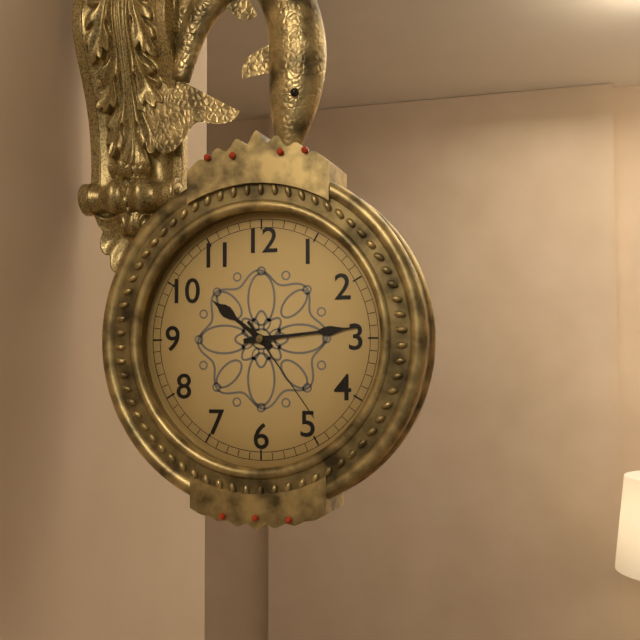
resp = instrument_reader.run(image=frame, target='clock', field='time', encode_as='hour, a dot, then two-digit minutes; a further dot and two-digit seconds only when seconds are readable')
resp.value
10.14.24
